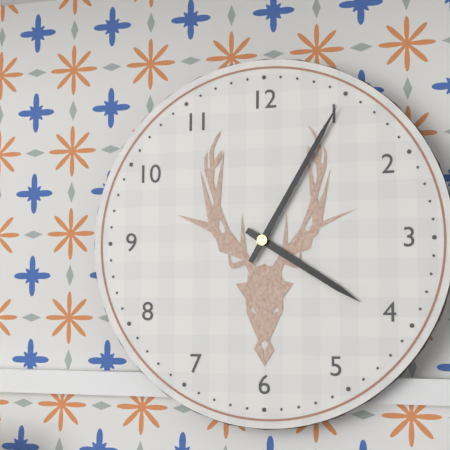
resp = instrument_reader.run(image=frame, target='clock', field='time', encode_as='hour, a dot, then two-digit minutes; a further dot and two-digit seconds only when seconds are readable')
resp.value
4.05
